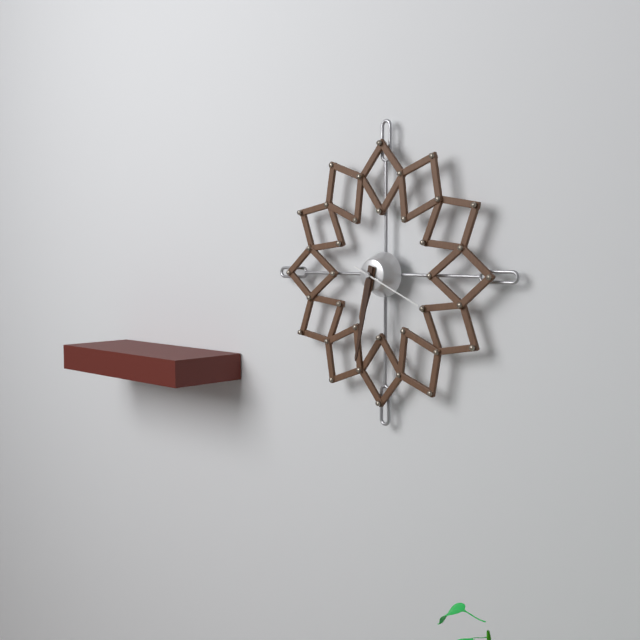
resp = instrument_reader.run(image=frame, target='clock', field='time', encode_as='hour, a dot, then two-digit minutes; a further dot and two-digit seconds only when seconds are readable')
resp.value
6.32.19
